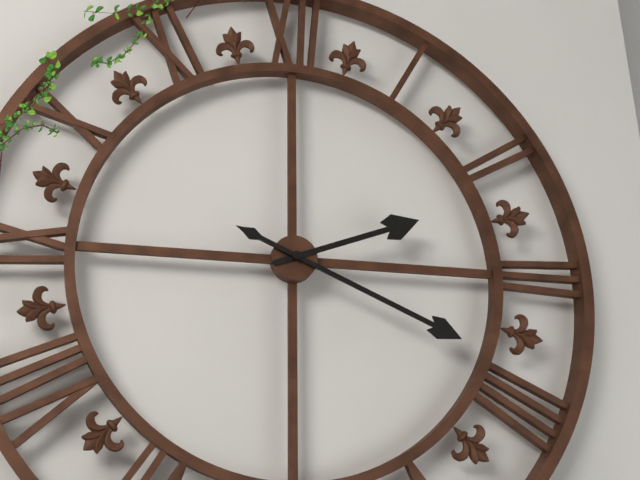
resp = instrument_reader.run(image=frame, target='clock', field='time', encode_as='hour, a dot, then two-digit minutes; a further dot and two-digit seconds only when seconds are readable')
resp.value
2.19
